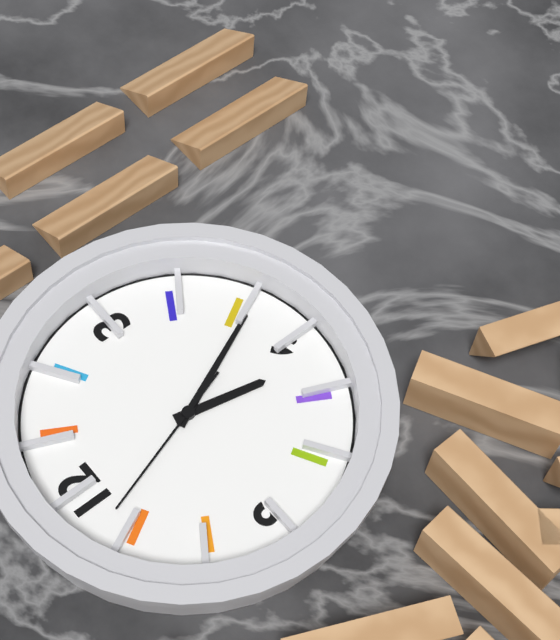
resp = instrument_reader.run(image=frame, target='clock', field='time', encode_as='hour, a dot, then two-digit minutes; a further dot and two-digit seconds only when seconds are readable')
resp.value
6.26.57
